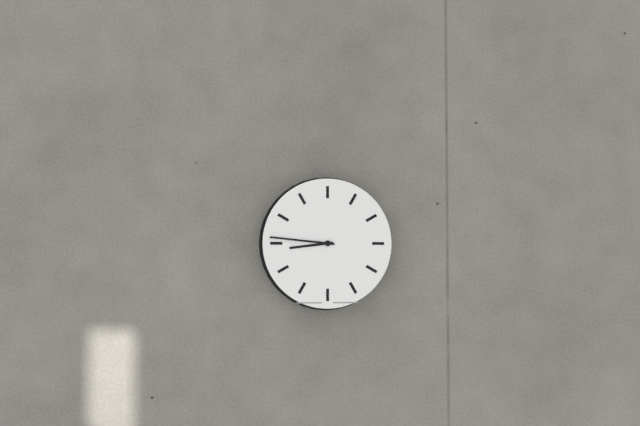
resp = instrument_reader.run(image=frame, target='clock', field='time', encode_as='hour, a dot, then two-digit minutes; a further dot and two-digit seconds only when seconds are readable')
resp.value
8.46
